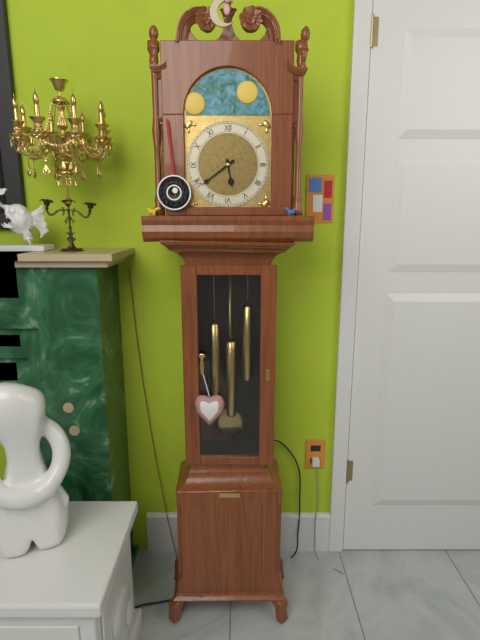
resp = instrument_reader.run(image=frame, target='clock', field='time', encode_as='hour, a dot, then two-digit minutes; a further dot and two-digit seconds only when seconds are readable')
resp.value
5.39
